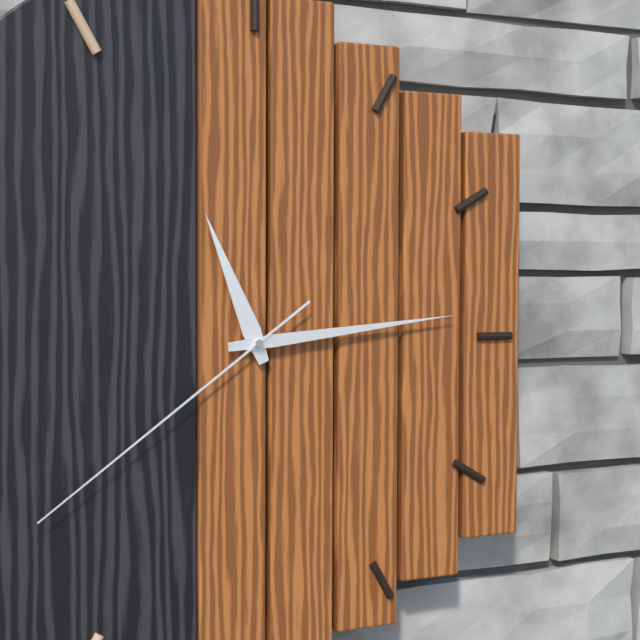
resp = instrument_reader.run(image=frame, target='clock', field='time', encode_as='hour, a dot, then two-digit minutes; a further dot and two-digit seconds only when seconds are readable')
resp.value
11.14.39
